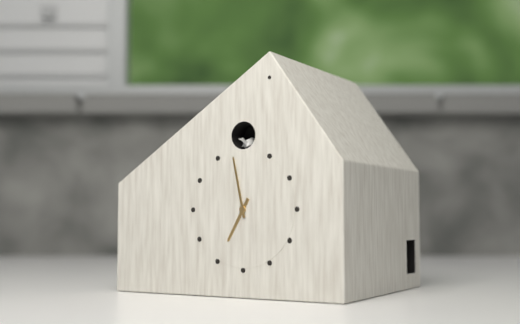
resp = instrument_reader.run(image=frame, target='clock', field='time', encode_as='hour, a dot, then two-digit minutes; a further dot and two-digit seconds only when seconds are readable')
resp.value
6.58
